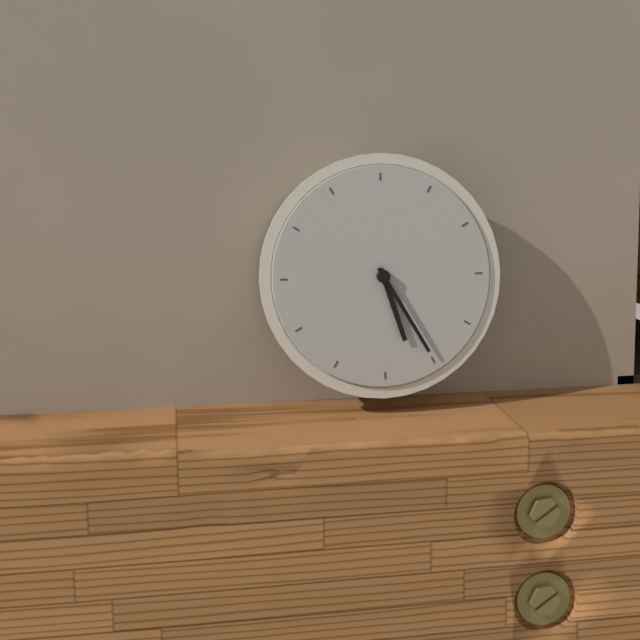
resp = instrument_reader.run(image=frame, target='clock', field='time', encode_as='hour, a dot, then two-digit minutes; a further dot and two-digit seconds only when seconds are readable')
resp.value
5.25
